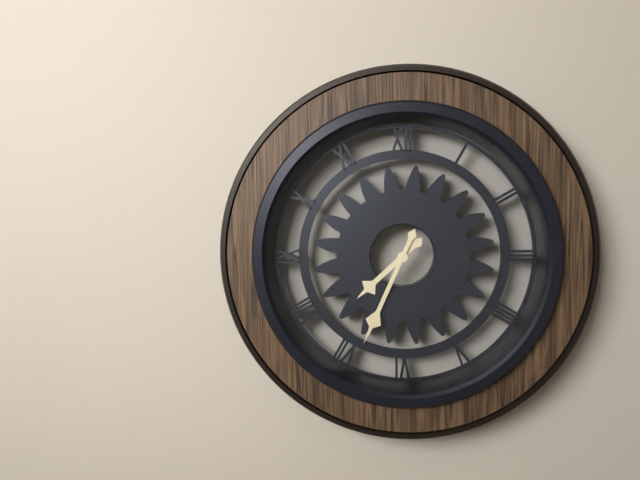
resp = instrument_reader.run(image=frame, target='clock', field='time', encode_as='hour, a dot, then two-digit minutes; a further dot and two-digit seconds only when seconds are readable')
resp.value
7.34
